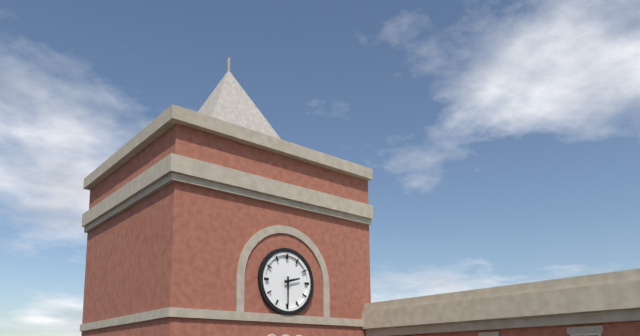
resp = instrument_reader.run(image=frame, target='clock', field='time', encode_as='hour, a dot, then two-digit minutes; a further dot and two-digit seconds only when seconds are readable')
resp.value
2.30
